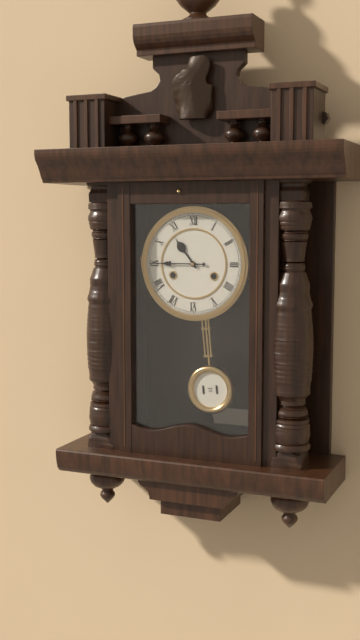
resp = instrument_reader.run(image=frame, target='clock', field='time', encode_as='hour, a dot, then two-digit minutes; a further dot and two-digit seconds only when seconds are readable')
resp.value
10.45
